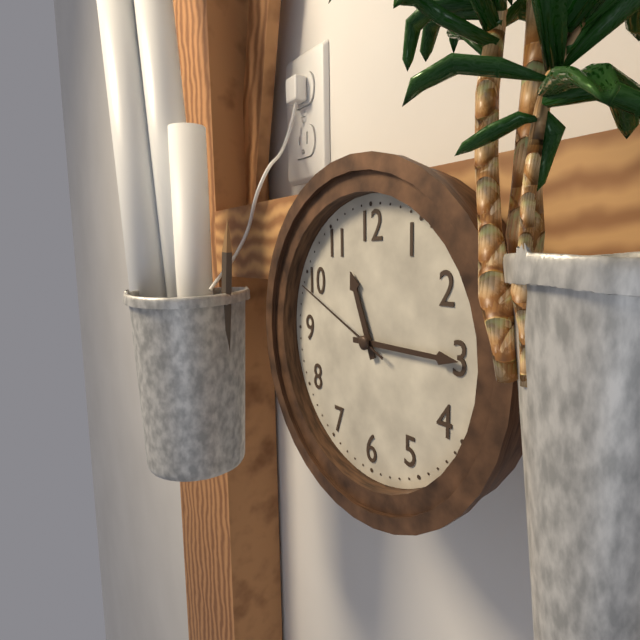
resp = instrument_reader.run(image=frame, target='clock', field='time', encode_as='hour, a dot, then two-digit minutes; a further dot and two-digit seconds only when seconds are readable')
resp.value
11.15.49
